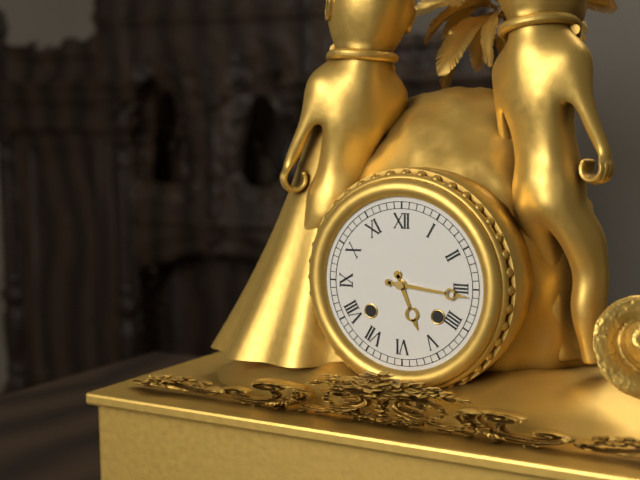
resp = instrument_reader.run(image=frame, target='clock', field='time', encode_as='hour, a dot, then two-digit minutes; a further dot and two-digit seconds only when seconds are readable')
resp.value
5.16
